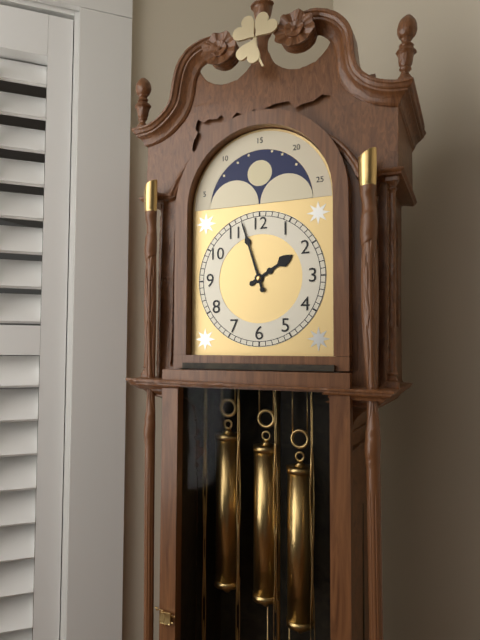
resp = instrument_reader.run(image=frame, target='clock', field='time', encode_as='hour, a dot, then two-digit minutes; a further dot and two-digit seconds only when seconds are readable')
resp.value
1.57
